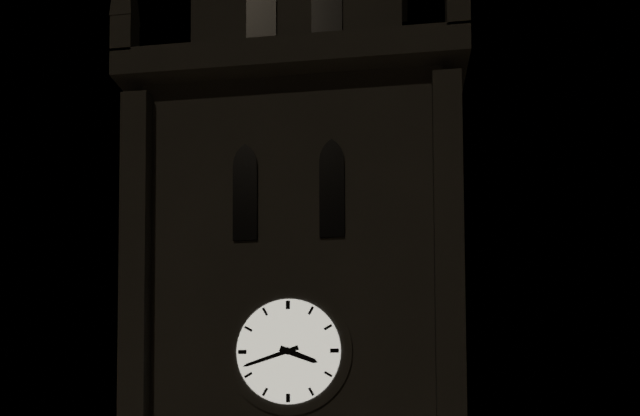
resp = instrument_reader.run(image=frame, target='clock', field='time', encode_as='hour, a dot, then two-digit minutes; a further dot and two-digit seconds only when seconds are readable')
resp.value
3.42
